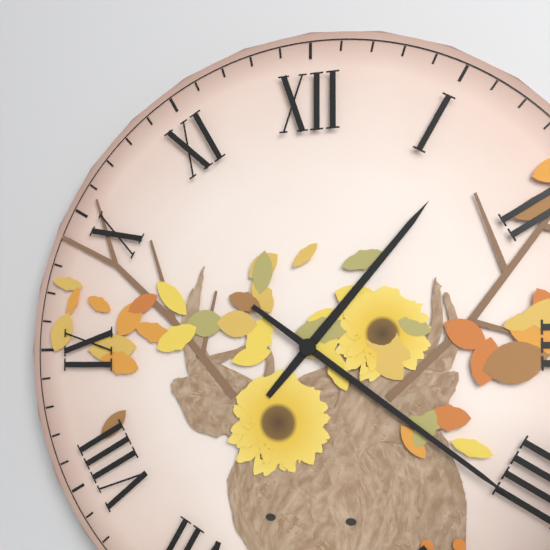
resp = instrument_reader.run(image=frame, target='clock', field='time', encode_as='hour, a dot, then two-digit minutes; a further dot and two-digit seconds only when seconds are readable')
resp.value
1.21
